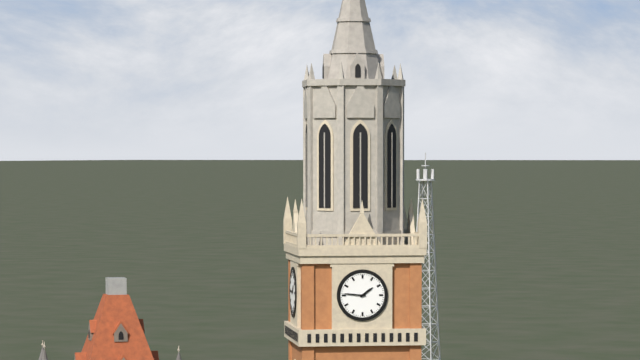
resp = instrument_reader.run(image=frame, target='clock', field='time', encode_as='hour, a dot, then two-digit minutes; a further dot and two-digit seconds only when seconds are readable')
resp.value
1.46
